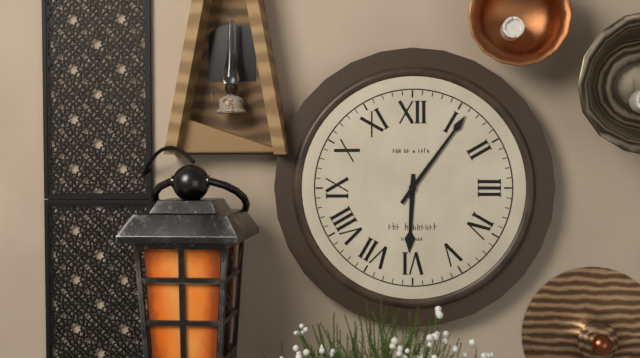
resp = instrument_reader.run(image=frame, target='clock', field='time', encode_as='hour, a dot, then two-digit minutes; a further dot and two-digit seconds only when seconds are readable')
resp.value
6.06
